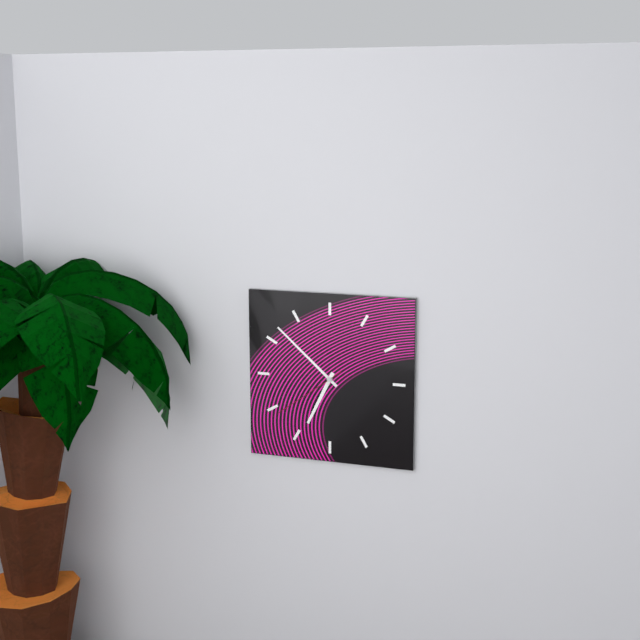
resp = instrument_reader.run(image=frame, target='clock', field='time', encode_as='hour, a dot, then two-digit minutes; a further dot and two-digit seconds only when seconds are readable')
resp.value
6.52.39
